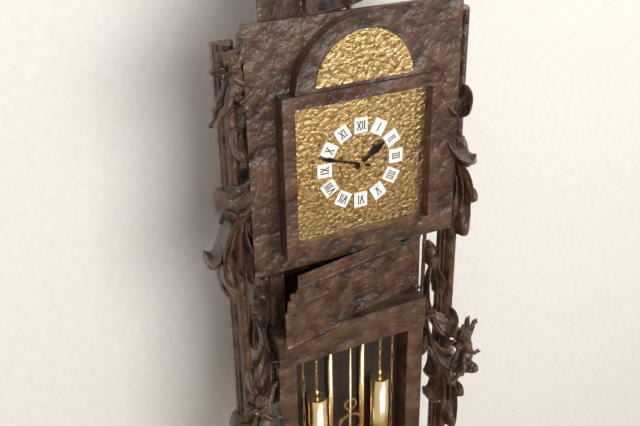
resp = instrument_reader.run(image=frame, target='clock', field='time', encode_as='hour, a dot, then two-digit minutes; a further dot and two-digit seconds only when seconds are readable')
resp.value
1.48
